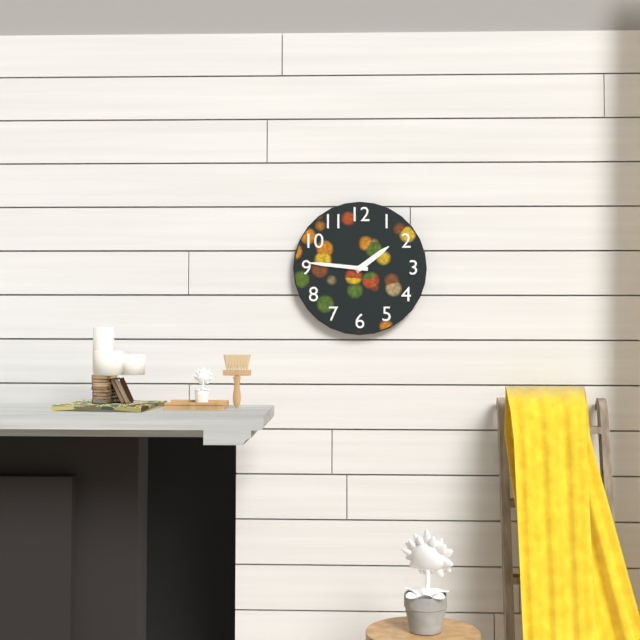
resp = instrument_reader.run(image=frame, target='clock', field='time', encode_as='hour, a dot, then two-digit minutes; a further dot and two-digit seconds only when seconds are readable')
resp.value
1.46
